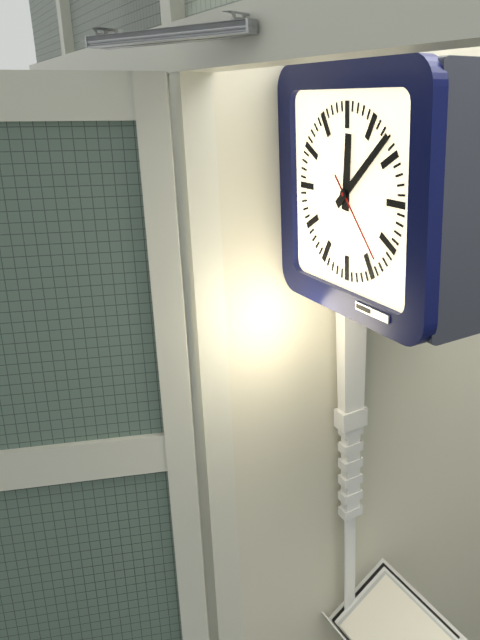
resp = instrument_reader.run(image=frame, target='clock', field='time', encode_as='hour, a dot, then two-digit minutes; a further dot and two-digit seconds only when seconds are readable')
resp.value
12.08.23
